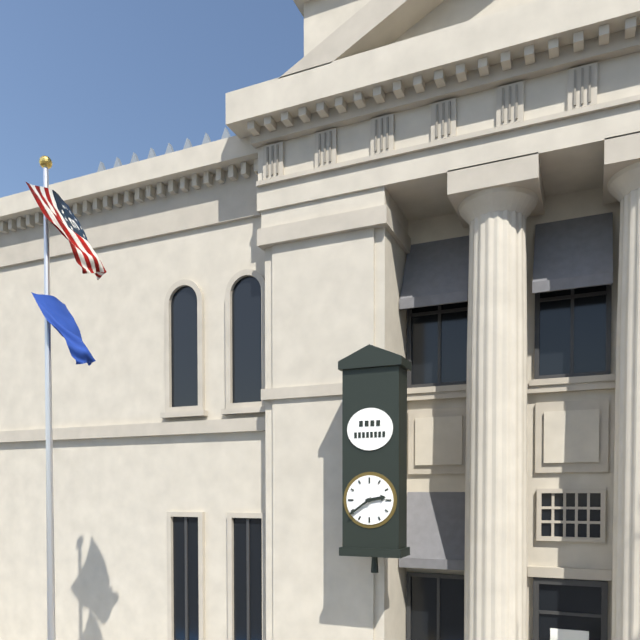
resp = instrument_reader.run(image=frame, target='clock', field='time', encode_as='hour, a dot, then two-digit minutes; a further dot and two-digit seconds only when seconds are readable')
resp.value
2.39
